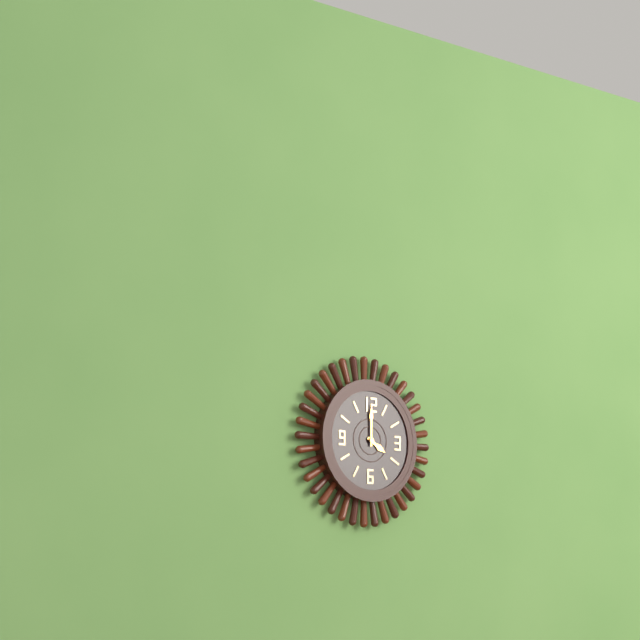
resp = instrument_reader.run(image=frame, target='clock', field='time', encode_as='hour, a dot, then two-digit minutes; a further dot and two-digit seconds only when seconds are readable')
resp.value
4.00
